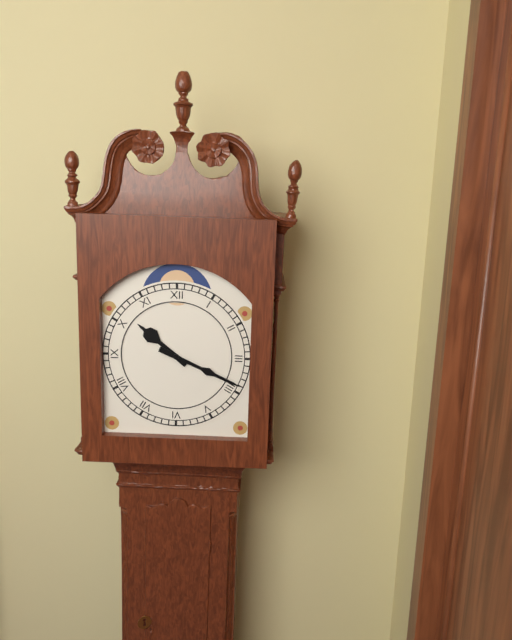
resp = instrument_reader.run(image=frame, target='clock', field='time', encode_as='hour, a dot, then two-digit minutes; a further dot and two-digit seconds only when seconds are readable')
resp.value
10.19
